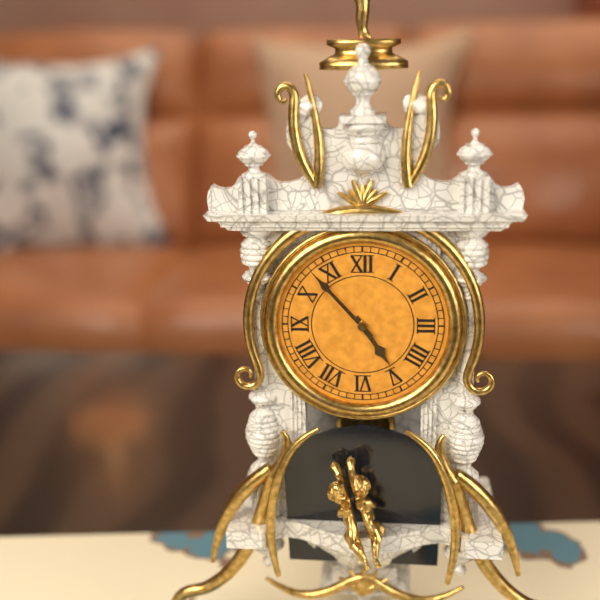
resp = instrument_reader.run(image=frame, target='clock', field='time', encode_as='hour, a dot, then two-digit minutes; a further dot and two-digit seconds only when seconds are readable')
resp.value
4.53
